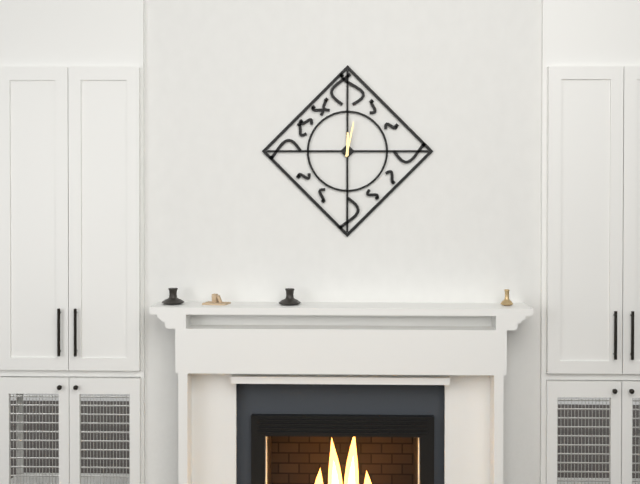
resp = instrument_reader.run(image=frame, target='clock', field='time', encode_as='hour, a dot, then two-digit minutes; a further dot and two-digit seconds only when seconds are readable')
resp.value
12.02
